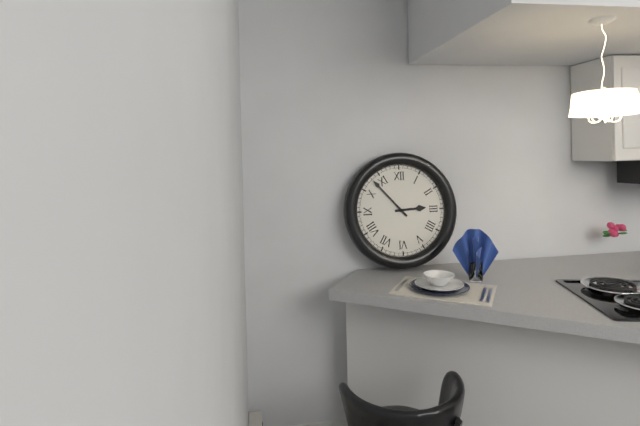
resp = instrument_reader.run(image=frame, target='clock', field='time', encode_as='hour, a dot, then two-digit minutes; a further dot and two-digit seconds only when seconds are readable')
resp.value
2.53
